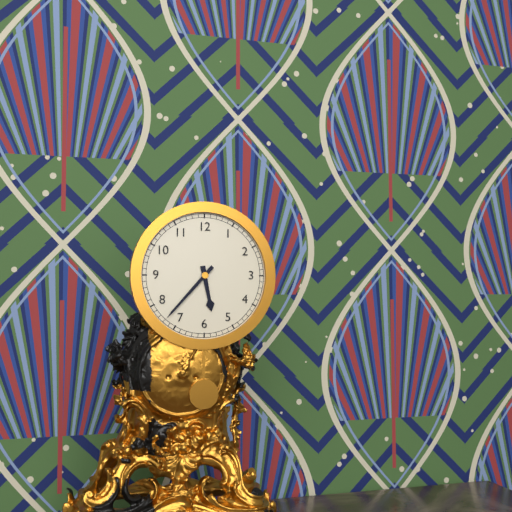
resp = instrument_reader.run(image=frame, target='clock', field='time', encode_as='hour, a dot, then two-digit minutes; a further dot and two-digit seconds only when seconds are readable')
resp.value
5.37
